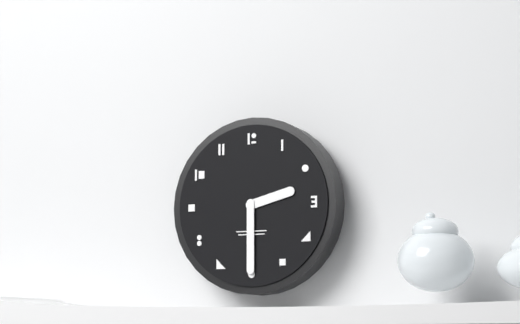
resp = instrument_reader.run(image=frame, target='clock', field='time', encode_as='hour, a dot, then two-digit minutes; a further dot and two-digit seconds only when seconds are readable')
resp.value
2.30
